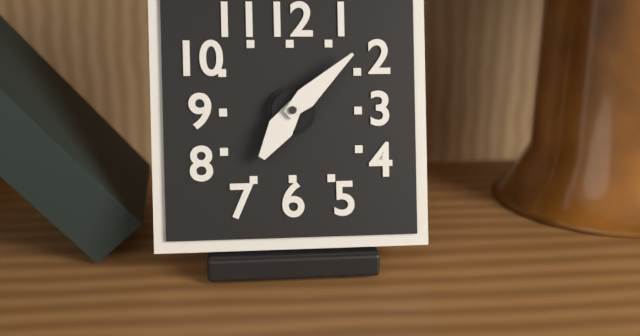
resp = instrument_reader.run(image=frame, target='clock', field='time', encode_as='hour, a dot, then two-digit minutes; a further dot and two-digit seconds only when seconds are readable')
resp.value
7.08
